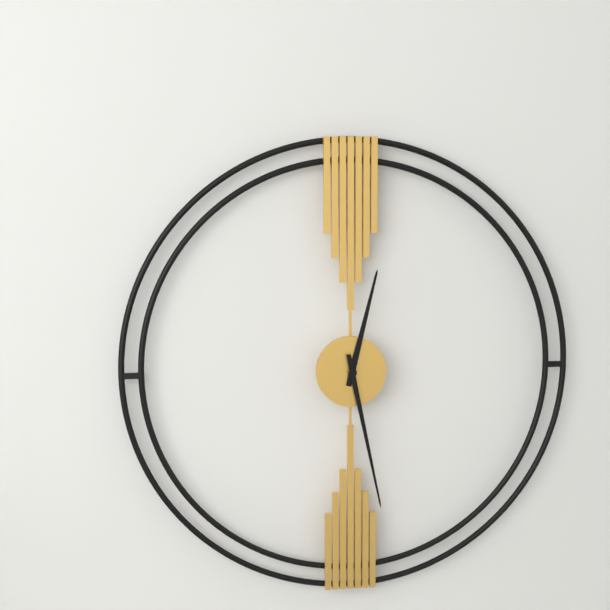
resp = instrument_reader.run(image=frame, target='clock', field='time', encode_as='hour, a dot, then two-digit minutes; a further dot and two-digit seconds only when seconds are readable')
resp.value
12.28
